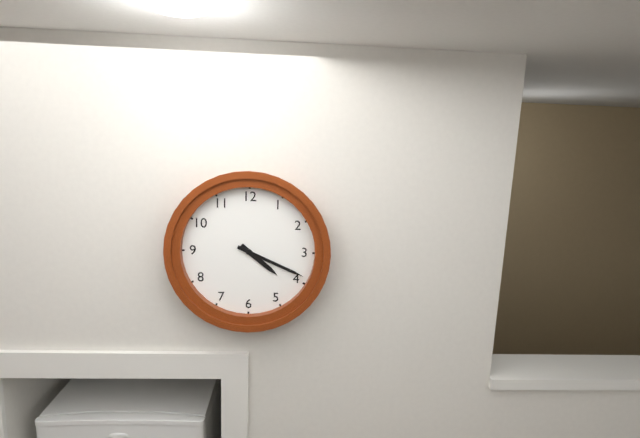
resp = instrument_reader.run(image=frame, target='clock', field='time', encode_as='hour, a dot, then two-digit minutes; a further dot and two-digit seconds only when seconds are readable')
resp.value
4.19
